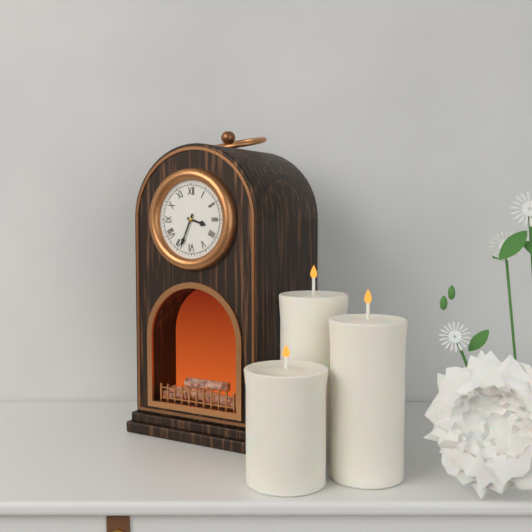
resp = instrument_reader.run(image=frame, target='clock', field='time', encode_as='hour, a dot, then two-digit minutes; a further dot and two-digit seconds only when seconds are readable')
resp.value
3.34
